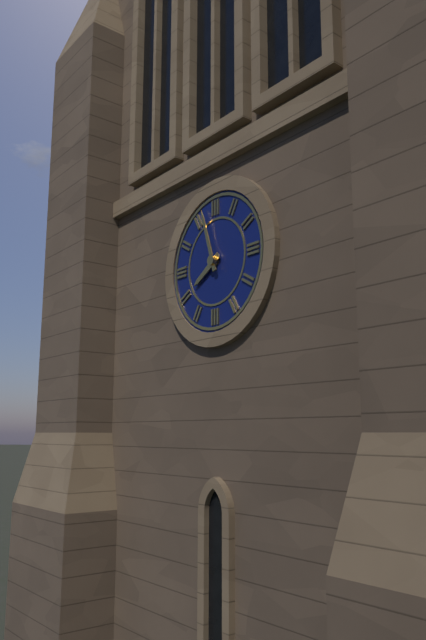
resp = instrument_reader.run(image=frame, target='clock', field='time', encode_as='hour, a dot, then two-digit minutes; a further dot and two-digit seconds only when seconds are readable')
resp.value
7.57
